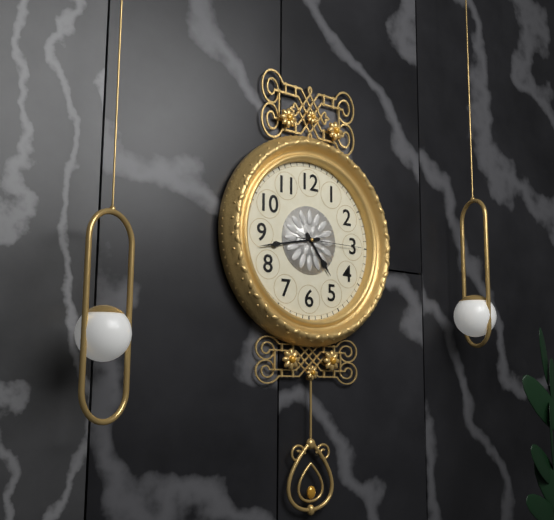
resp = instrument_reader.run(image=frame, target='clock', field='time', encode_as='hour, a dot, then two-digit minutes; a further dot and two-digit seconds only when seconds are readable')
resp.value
4.43.15
